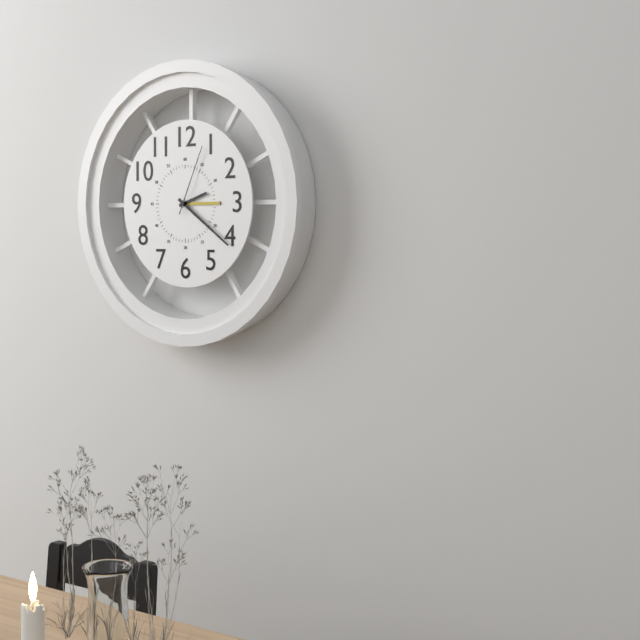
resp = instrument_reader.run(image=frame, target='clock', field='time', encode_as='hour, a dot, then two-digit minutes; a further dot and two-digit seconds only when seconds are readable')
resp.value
2.21.04
